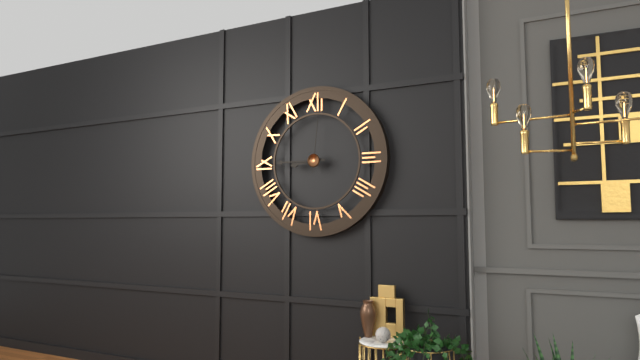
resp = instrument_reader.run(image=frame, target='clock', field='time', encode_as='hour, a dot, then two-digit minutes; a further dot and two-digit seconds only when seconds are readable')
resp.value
8.45.01
